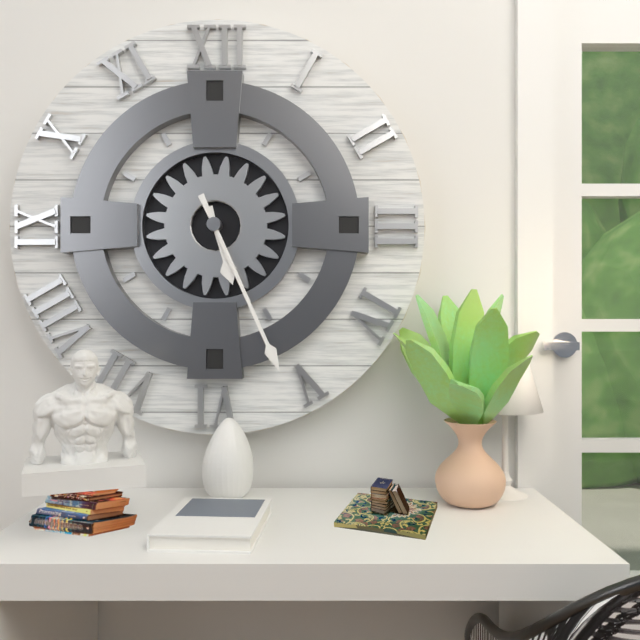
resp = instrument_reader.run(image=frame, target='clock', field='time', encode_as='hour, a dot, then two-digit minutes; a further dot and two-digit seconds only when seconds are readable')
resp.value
5.26
